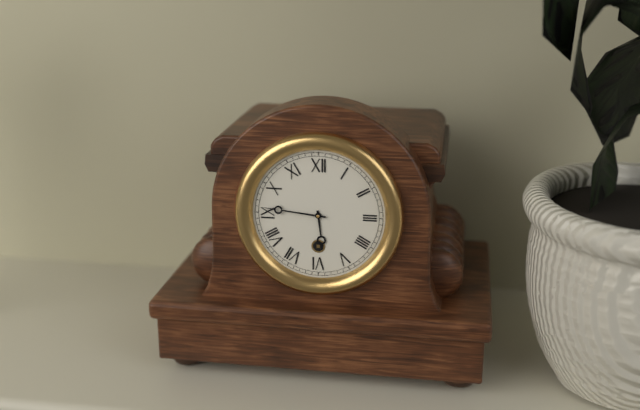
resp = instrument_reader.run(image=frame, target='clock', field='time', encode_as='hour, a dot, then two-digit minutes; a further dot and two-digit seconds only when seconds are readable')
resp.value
5.46
